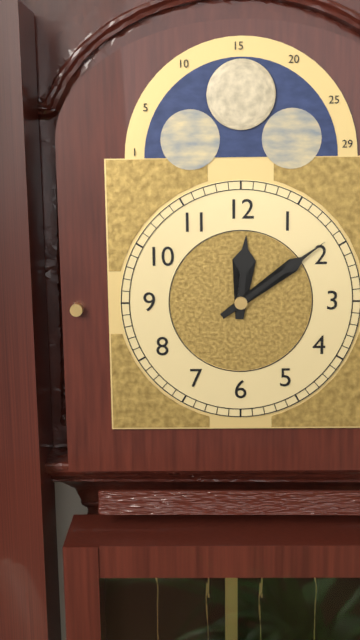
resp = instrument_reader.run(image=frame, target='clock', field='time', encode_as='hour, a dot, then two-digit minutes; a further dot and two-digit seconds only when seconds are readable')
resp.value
12.09
